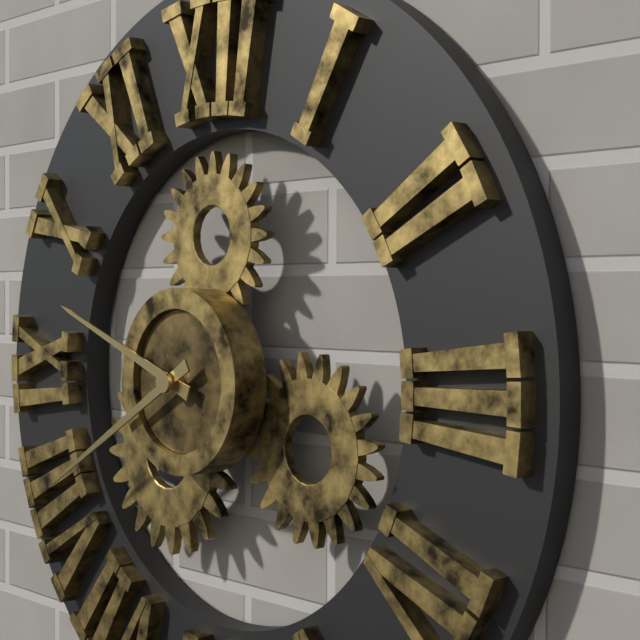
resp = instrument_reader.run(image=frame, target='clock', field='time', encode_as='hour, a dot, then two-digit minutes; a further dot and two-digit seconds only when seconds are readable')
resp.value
9.40
